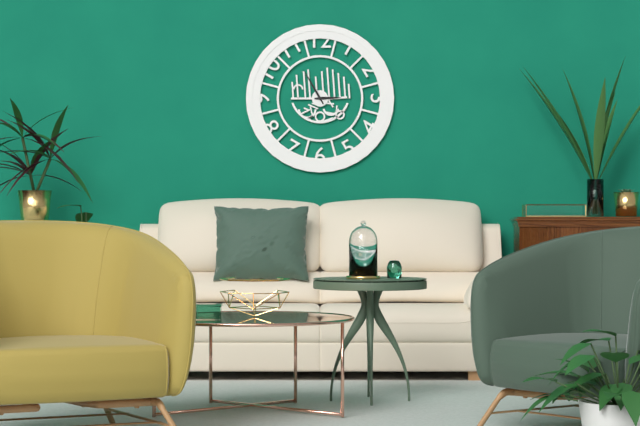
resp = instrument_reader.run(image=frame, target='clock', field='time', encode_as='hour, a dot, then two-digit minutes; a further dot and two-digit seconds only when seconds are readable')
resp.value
2.55
